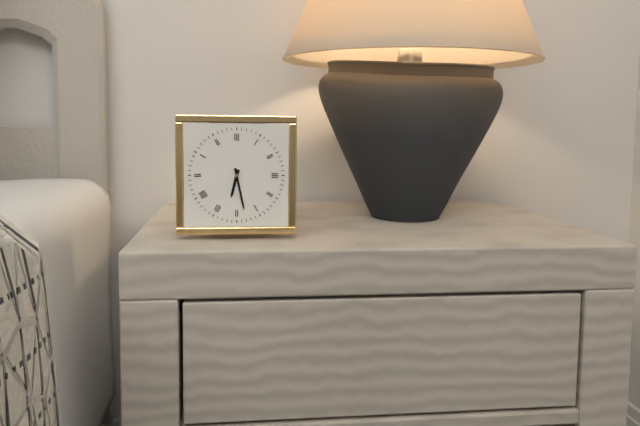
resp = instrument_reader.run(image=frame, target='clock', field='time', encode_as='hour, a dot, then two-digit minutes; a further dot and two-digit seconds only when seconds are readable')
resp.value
6.28
